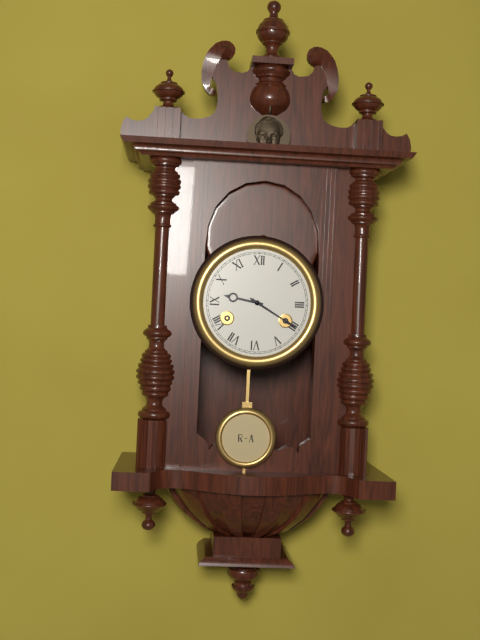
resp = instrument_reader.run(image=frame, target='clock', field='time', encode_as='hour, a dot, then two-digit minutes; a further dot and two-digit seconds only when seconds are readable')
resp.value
9.20
